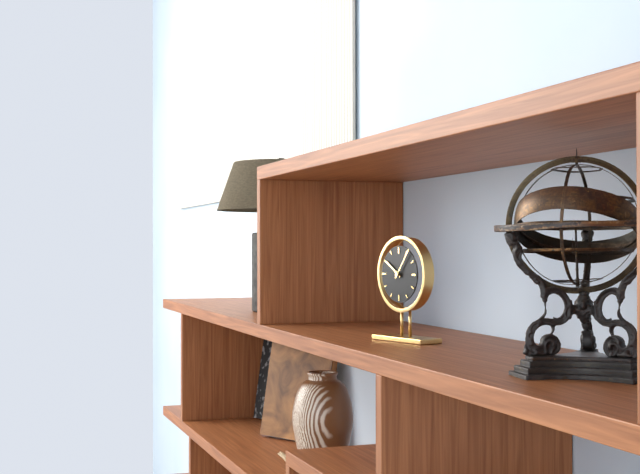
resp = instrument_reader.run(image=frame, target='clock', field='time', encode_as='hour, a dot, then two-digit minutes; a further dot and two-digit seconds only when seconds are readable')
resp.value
10.06
